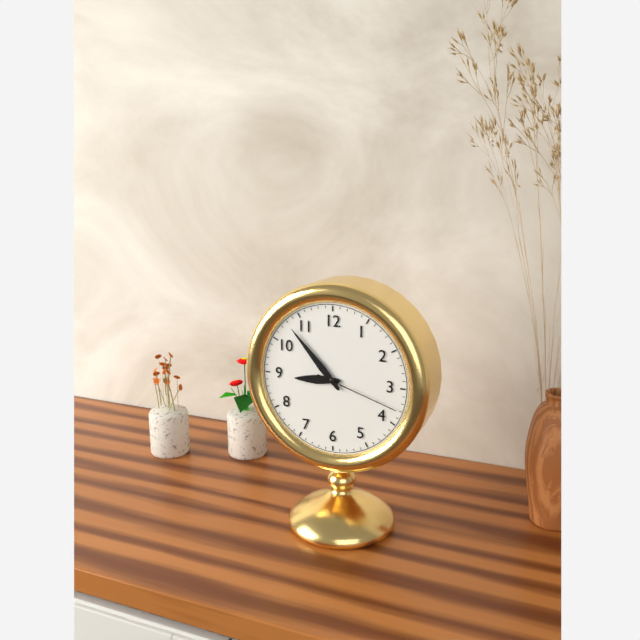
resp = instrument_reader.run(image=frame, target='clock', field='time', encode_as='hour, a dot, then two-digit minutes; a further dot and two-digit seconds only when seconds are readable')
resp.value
8.53.18
